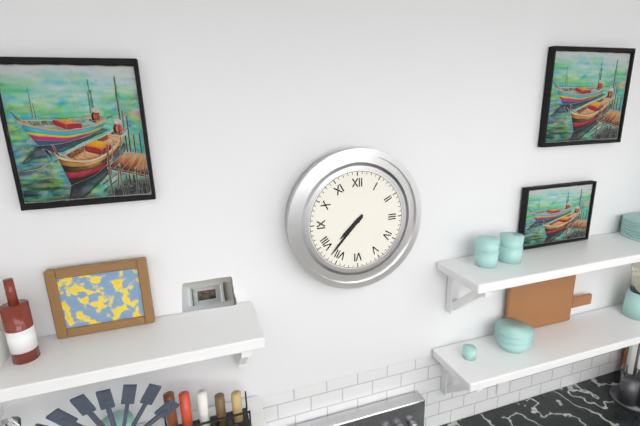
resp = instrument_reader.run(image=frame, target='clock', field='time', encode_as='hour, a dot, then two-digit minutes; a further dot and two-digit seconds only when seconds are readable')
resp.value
7.37
